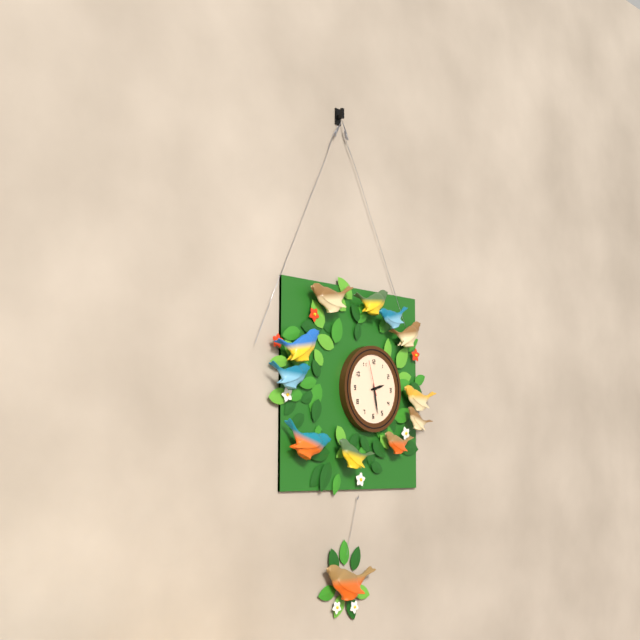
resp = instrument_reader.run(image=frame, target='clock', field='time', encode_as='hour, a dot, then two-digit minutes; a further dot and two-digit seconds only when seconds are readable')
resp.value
2.28
